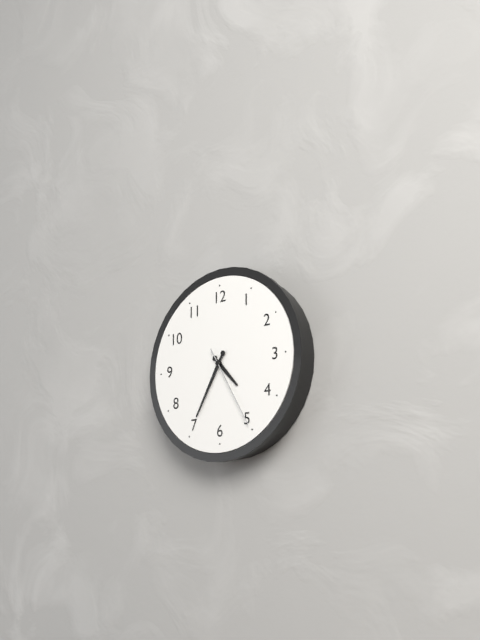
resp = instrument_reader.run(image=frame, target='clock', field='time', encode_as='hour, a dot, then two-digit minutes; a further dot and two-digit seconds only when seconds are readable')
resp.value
4.35.25
